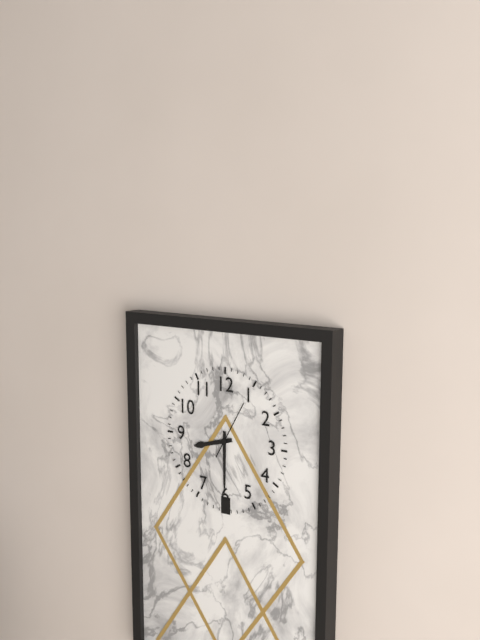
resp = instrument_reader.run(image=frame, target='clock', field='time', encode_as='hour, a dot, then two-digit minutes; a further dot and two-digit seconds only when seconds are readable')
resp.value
8.30.05
